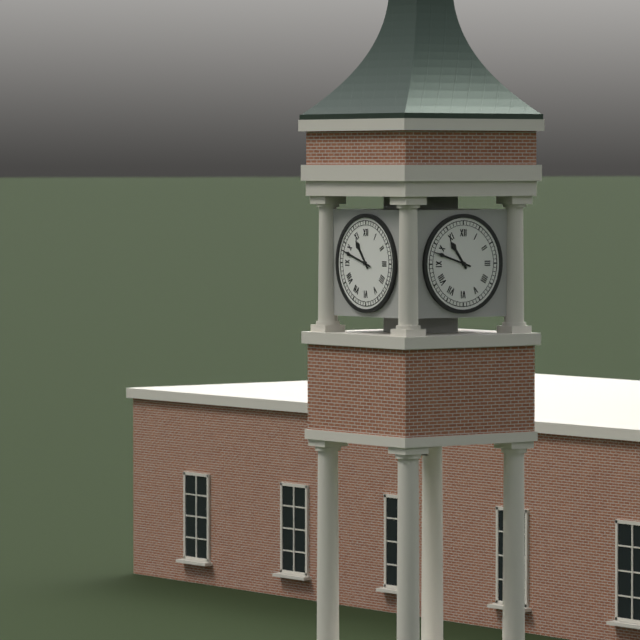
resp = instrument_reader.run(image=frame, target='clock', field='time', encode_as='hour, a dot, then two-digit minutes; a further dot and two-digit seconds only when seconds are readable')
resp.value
10.48
